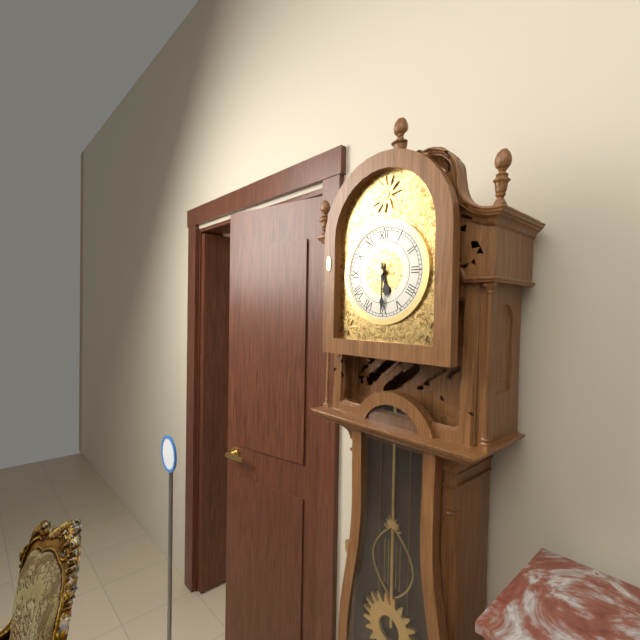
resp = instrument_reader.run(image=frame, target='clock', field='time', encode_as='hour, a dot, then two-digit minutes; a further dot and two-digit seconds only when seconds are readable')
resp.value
5.30
